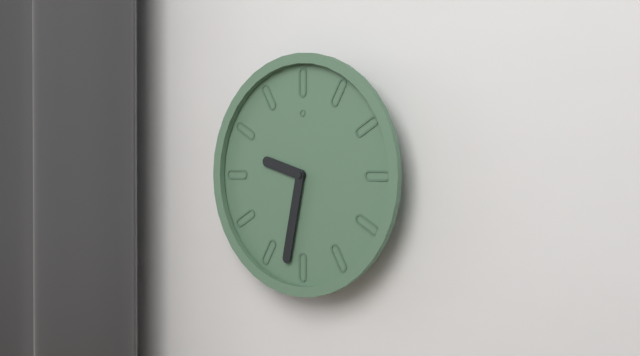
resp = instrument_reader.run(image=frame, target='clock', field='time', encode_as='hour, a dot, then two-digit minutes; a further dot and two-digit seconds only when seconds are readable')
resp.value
9.32
